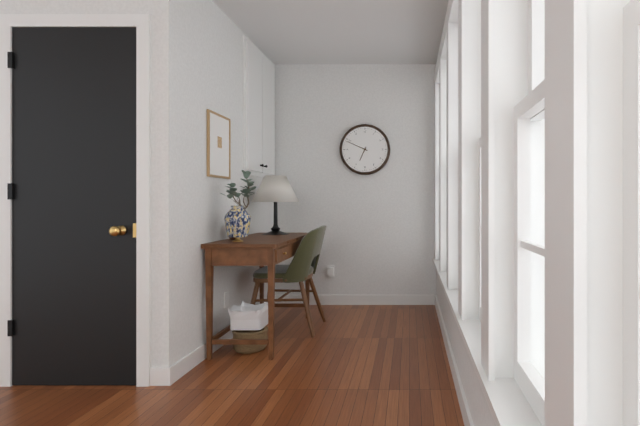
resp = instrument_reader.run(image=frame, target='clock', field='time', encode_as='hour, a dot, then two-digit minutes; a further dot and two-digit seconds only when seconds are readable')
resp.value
6.49
